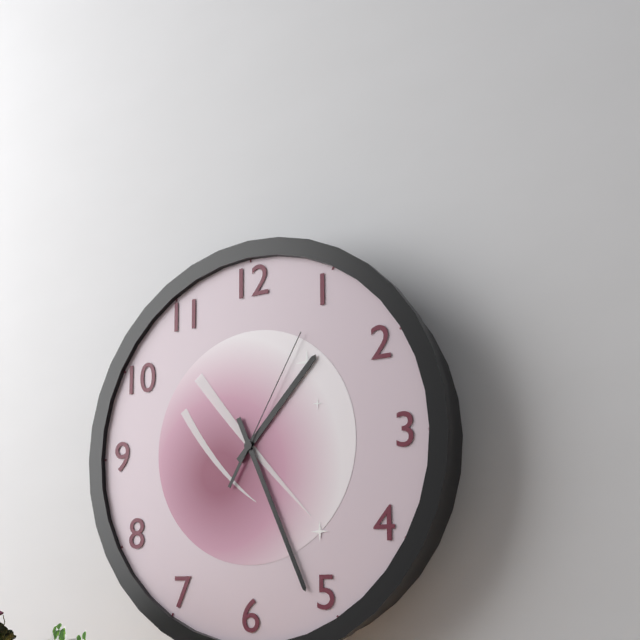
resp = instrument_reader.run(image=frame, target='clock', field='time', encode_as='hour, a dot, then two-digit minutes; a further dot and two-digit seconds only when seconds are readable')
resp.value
1.26.05
